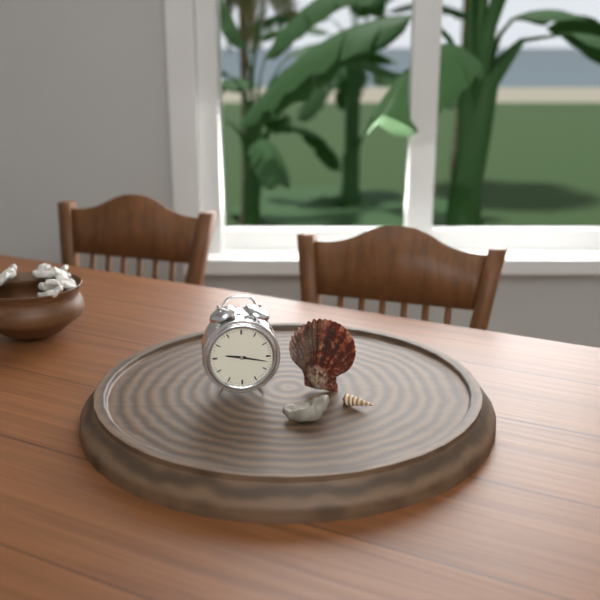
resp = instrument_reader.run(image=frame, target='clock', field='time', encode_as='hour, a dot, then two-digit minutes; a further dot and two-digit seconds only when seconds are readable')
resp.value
9.17
